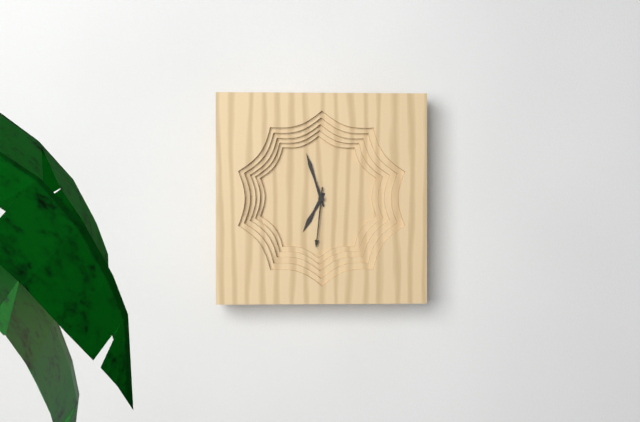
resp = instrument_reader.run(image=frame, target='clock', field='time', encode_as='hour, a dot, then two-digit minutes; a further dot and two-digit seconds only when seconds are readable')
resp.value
6.57.31
